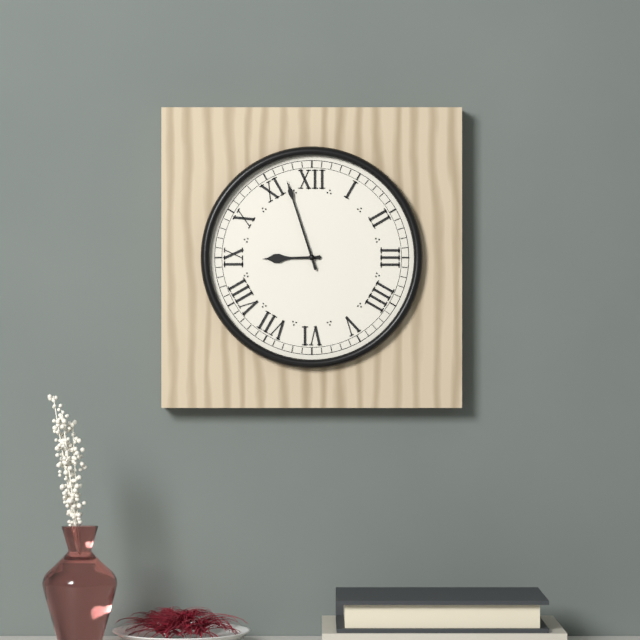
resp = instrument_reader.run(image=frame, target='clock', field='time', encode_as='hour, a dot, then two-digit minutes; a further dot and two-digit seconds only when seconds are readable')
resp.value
8.57
